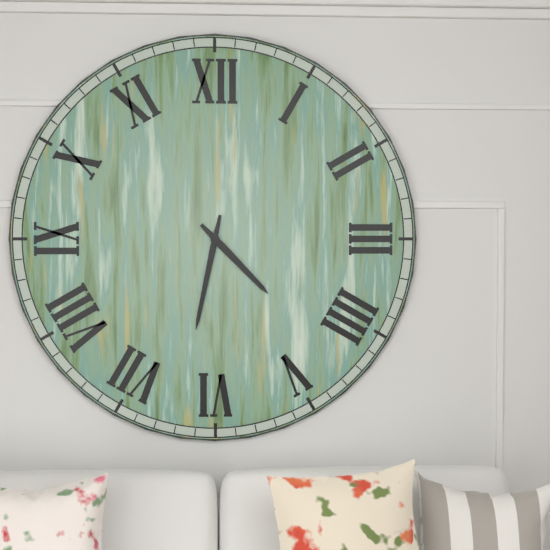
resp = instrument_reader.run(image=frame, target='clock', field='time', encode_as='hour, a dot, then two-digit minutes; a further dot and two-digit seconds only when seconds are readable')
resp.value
4.32
